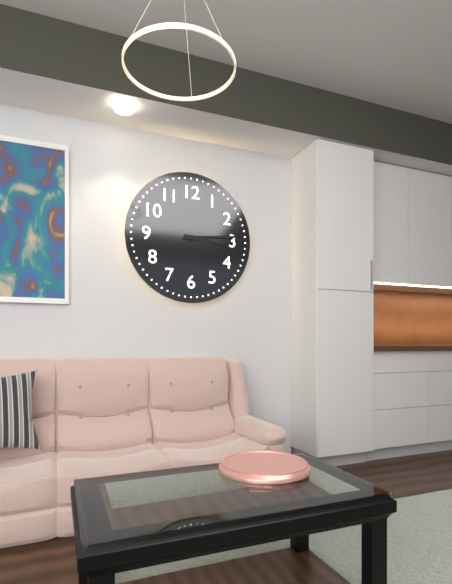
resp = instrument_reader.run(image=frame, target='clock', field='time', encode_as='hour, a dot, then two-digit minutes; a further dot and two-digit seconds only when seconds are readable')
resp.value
3.14
